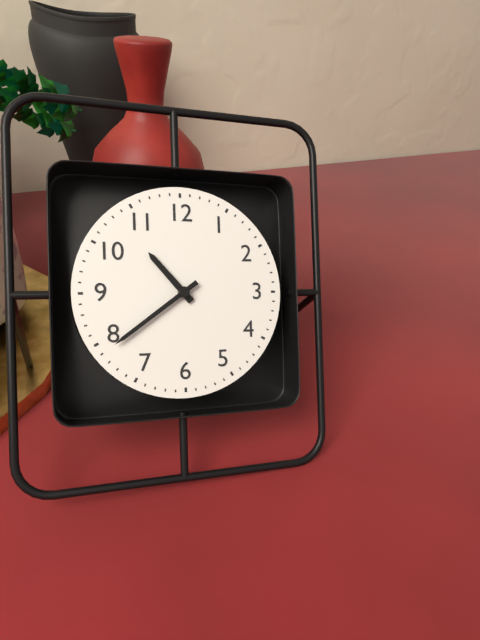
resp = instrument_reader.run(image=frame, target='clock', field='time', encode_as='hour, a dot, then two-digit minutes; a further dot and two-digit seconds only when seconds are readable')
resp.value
10.39
